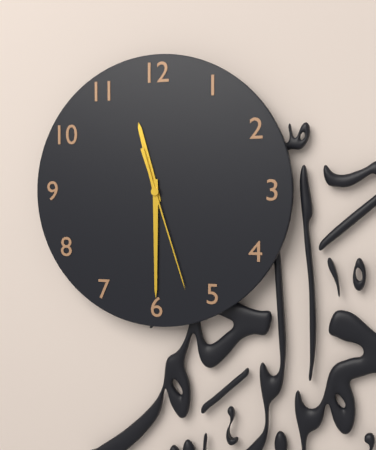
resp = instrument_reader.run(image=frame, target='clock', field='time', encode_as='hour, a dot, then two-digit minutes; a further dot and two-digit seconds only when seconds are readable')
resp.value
11.30.27
